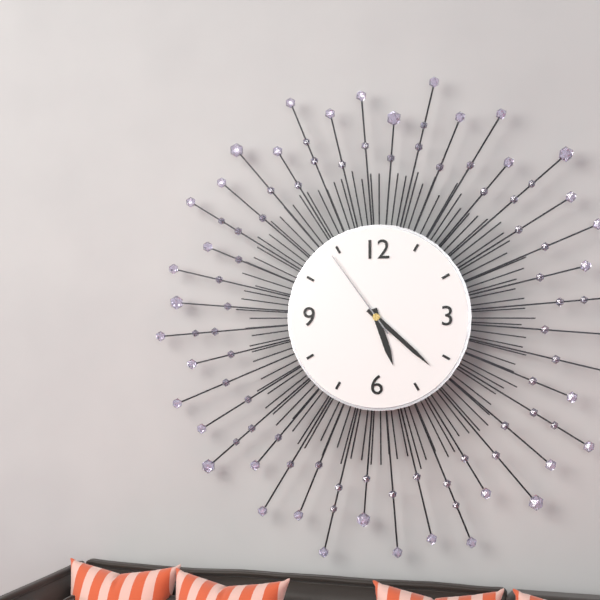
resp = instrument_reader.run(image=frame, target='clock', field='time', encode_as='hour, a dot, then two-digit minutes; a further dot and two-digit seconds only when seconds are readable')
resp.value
5.22.54
